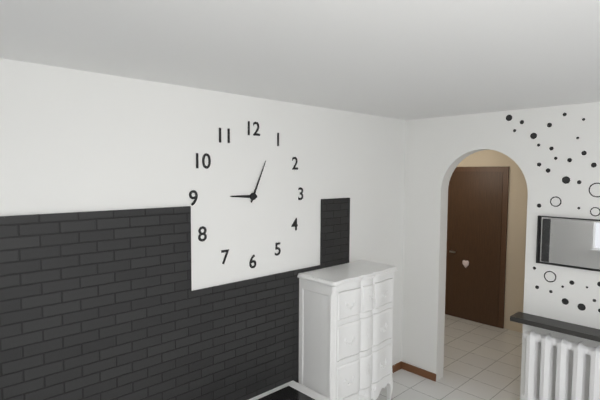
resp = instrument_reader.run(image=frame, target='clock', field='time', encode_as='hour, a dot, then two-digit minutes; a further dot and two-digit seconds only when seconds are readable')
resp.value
9.04
